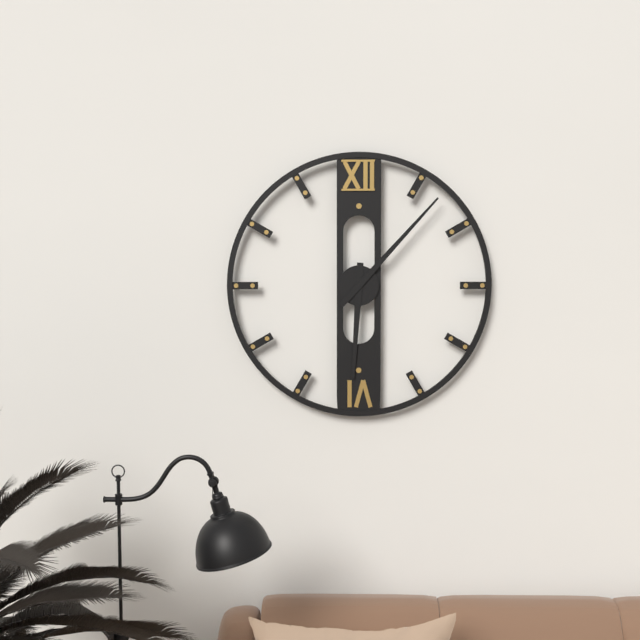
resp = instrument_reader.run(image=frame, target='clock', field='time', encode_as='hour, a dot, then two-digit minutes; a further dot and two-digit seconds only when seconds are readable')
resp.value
6.07
